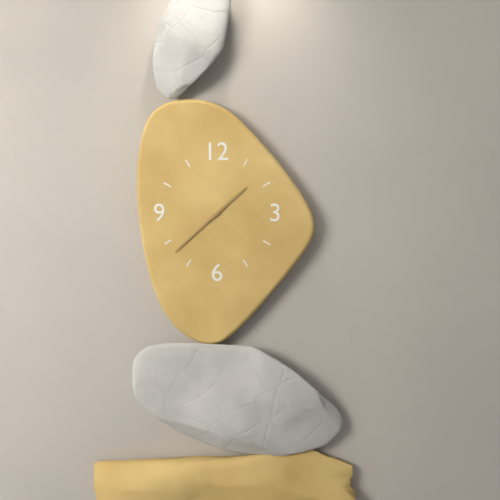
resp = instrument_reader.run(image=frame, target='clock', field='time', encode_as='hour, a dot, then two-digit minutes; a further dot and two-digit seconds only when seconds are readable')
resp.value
1.38
